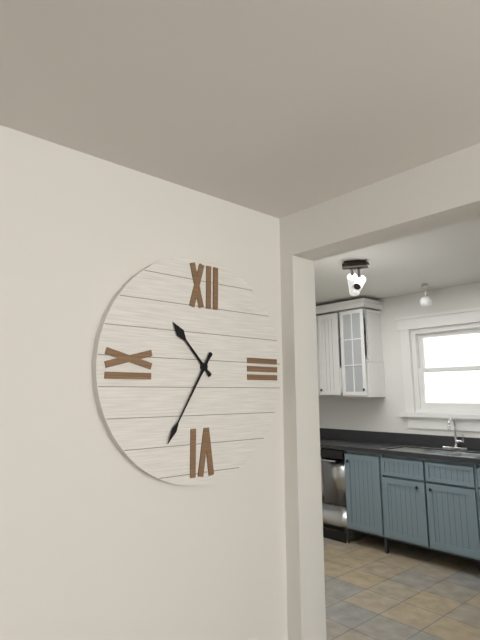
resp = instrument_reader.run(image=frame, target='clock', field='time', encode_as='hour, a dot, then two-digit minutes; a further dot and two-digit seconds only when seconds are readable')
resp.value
10.35
